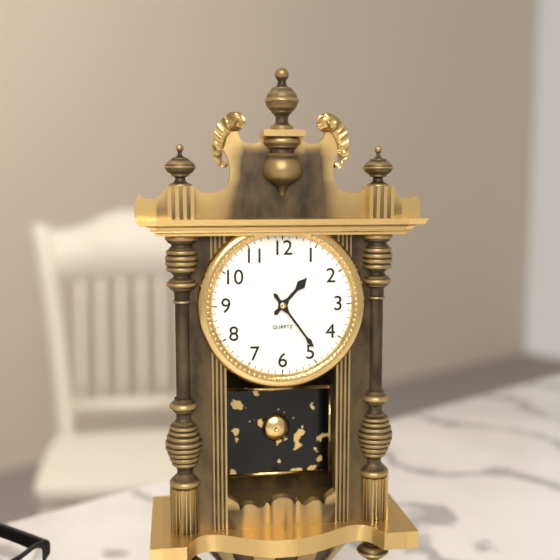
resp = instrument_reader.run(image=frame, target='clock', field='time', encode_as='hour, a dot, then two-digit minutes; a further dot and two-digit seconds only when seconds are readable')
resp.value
1.24
